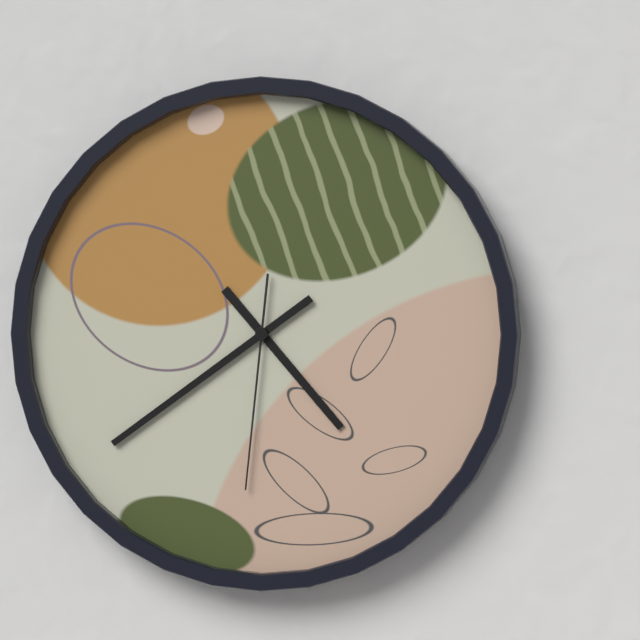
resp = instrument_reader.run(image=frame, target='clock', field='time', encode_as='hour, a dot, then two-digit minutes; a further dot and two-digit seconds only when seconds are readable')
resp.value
4.39.31
